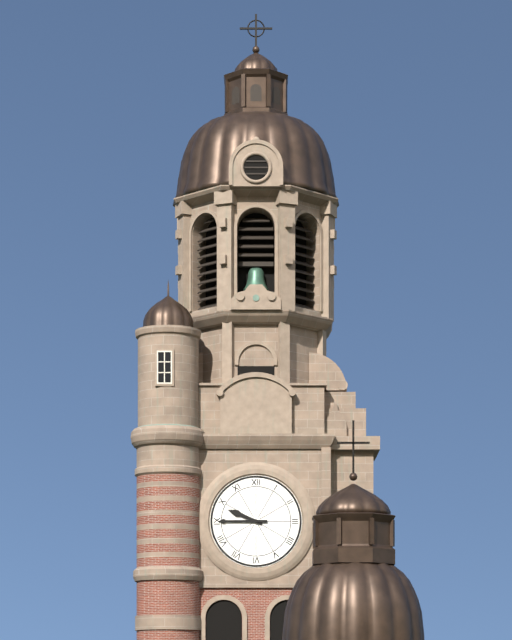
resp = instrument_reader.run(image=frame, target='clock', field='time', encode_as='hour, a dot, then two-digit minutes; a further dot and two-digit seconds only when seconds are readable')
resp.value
9.45
